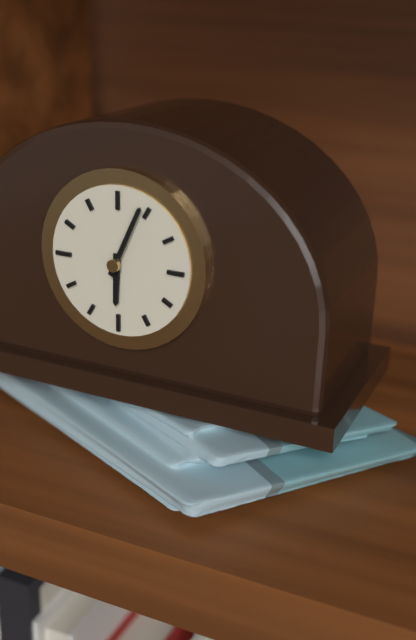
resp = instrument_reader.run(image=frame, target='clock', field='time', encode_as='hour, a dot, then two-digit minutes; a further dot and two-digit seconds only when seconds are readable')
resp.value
6.04
